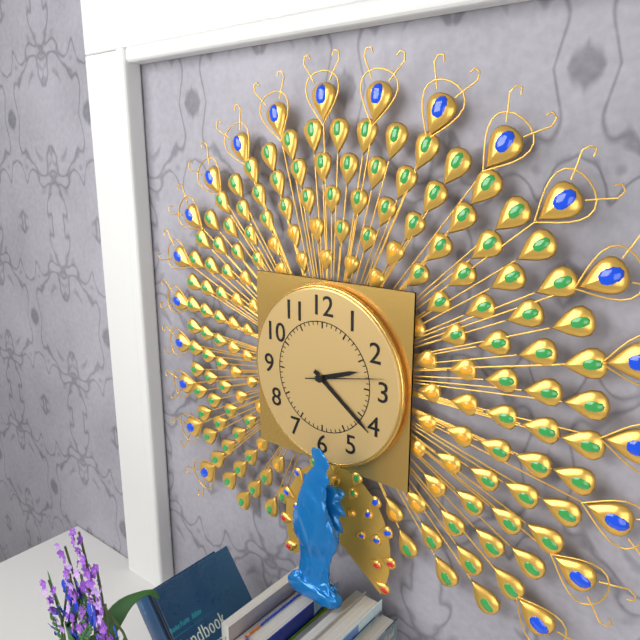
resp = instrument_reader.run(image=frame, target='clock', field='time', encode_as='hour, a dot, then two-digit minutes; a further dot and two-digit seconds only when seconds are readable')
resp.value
2.21.13
